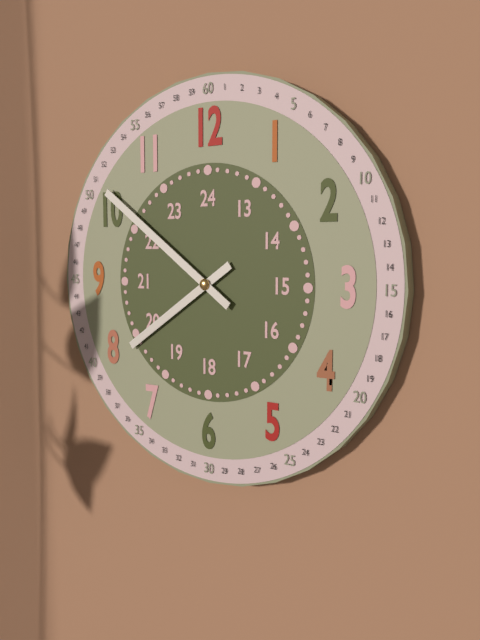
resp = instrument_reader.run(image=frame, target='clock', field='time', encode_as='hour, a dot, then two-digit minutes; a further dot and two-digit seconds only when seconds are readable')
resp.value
7.51
